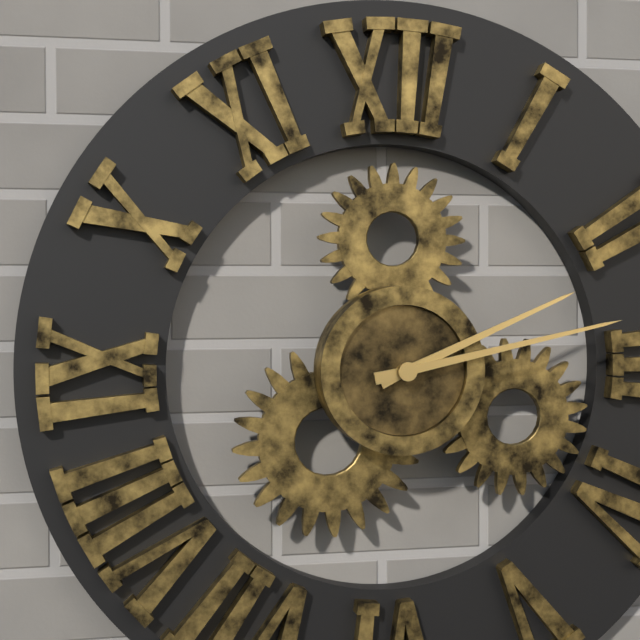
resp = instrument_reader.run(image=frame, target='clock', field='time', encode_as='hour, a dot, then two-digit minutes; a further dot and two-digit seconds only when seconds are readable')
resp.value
2.13
